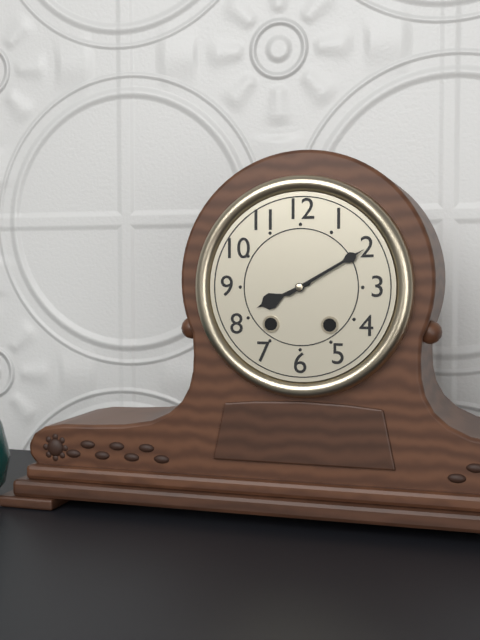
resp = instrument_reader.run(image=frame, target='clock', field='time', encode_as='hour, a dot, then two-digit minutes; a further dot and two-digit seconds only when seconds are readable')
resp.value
8.10
